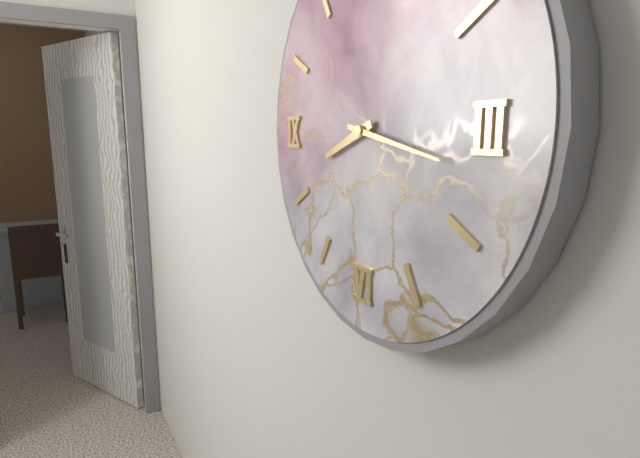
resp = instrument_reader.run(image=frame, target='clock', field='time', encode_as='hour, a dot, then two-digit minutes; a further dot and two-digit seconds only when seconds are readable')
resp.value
8.17
